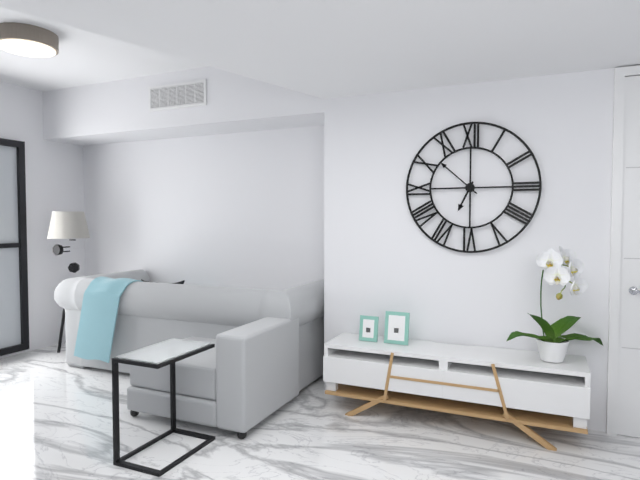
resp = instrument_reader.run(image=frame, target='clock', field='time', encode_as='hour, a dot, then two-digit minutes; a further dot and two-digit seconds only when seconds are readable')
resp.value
6.52
